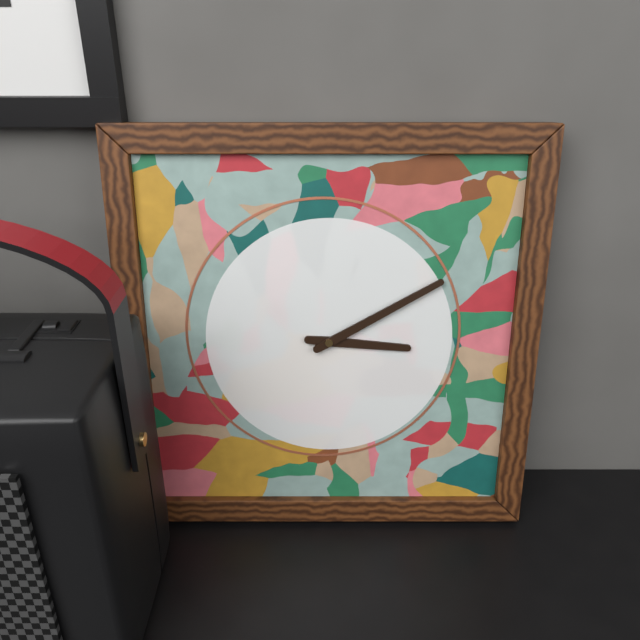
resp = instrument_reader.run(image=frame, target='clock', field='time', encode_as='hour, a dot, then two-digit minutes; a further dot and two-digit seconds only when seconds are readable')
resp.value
3.10
